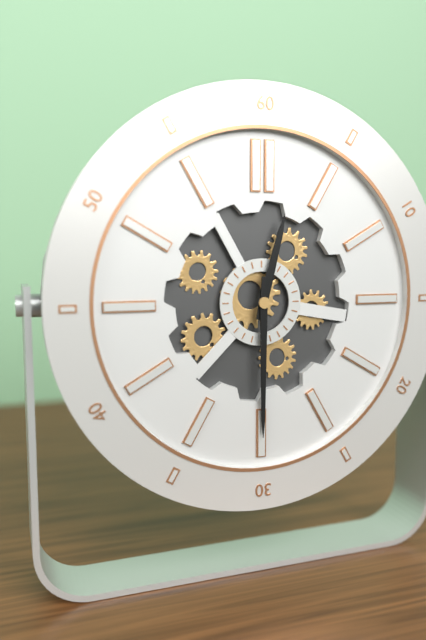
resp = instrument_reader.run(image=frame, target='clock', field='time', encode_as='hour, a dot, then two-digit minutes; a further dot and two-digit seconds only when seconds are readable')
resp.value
12.30
